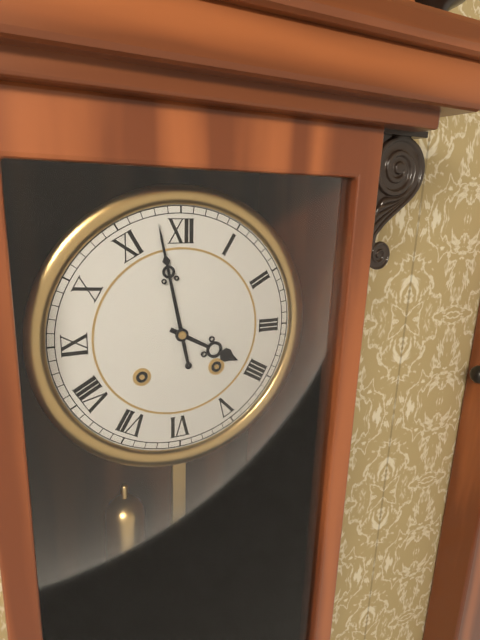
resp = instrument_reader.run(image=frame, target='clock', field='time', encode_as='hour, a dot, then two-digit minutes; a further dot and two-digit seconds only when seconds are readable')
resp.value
3.58
